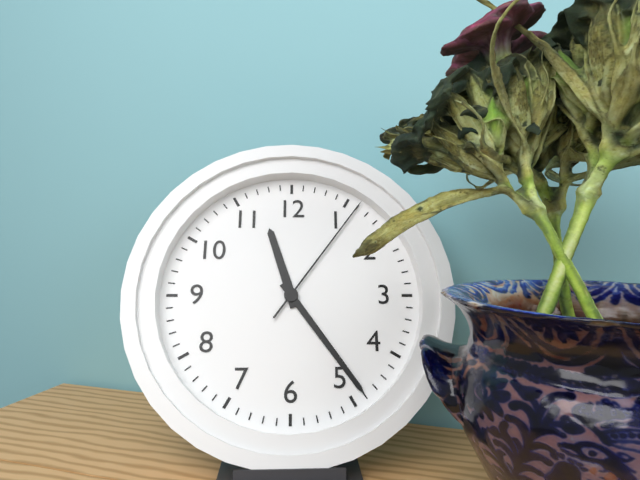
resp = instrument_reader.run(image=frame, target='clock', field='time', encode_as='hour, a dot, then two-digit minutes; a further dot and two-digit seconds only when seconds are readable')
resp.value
11.24.06
